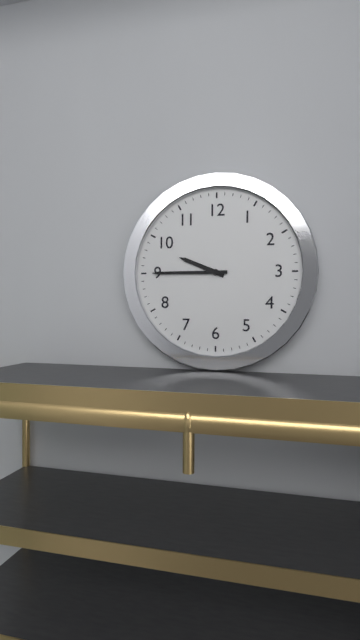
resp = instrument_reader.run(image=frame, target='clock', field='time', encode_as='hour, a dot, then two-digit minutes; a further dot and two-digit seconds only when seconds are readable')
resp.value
9.45
